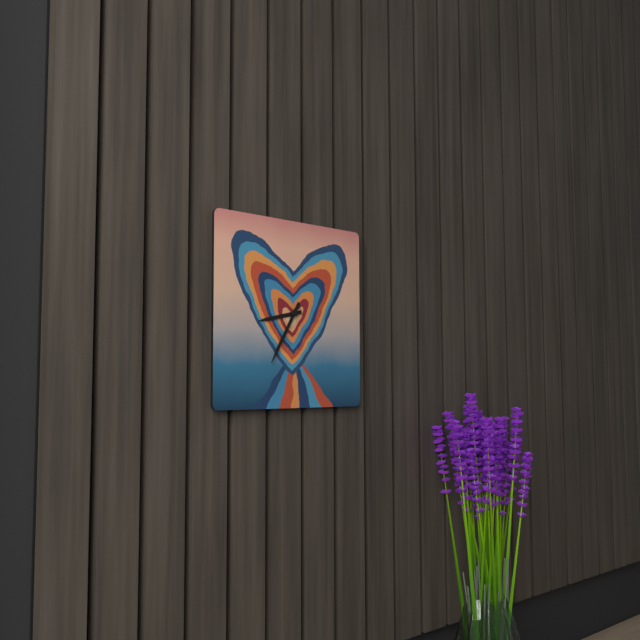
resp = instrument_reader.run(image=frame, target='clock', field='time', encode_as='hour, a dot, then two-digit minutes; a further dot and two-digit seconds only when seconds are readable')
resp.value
8.35
